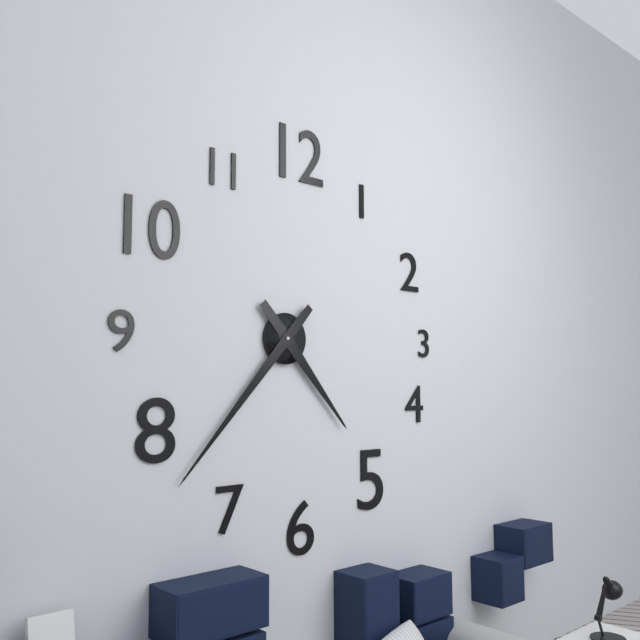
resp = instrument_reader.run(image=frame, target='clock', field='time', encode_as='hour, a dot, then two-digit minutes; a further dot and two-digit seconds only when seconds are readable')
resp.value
4.37
